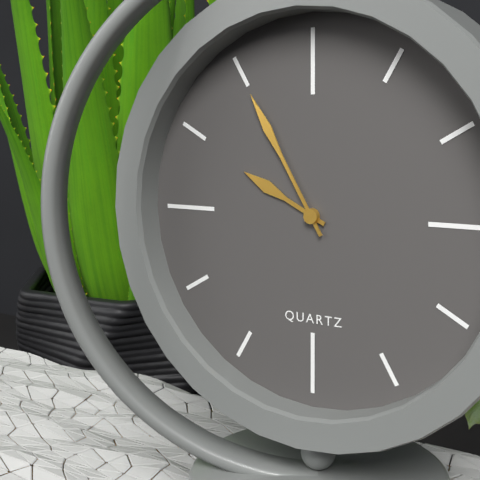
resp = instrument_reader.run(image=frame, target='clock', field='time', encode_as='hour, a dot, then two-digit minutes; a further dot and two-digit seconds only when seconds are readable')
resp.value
9.55
